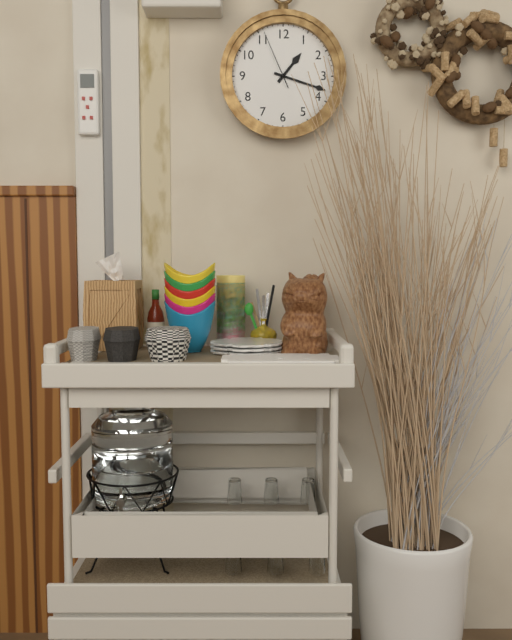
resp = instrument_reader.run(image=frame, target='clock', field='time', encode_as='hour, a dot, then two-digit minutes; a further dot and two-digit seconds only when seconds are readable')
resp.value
1.18.56
